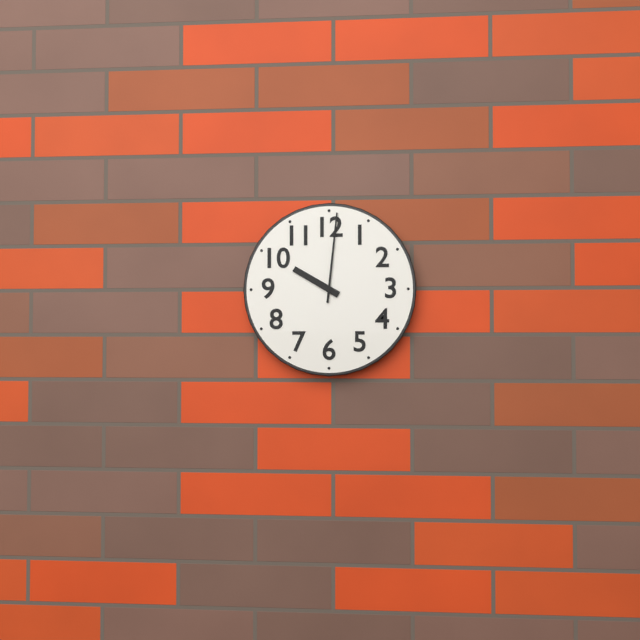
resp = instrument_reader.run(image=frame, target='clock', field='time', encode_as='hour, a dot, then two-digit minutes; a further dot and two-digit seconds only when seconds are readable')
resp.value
10.01
